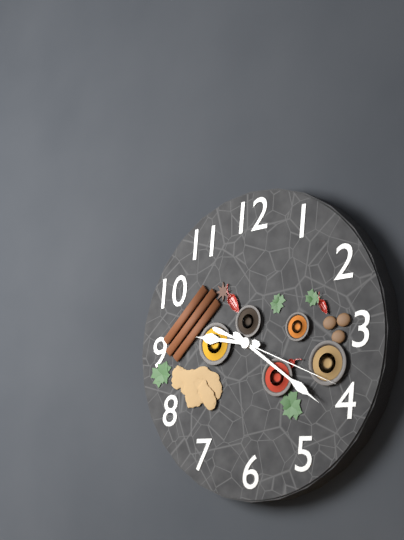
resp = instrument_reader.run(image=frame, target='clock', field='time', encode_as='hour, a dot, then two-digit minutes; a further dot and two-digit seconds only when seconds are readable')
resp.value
9.21.19
